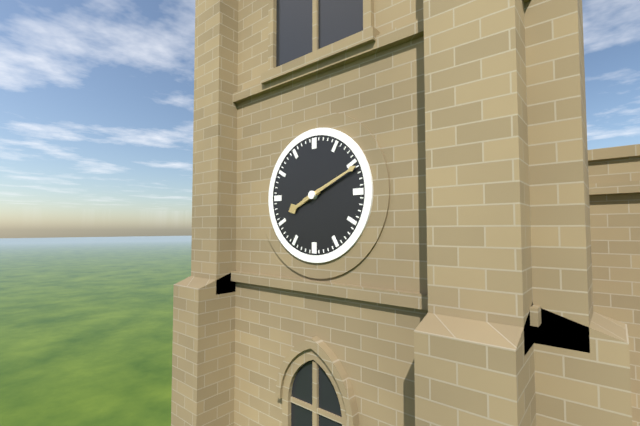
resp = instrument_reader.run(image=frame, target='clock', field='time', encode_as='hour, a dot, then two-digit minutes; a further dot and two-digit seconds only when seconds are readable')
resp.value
8.11
